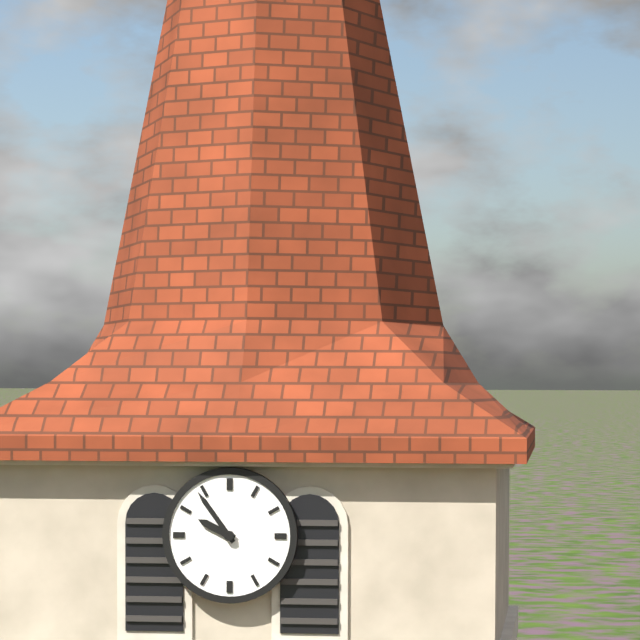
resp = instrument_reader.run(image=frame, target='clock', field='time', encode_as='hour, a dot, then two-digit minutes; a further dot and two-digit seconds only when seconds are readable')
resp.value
9.54
